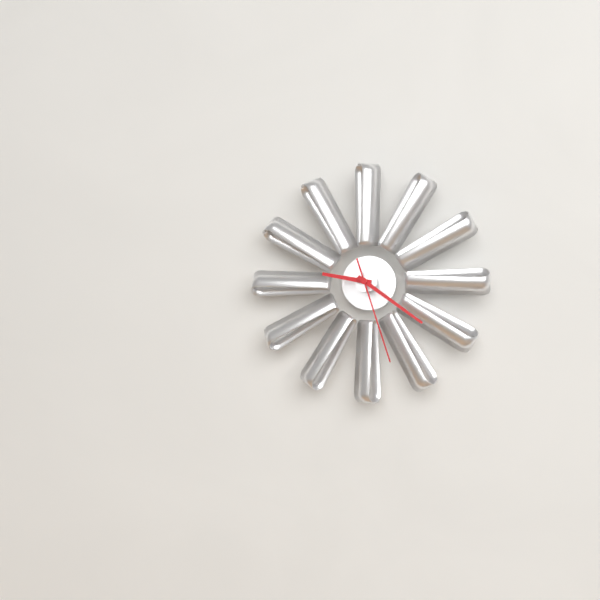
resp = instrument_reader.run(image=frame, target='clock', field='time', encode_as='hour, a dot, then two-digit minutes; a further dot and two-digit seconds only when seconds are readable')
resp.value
9.21.27
